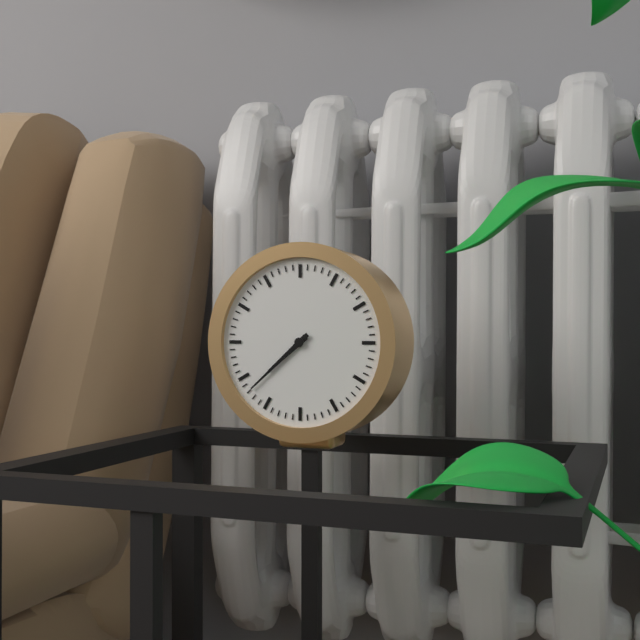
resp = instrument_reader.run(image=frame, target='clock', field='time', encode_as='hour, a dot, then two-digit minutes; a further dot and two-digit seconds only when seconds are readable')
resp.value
7.38
